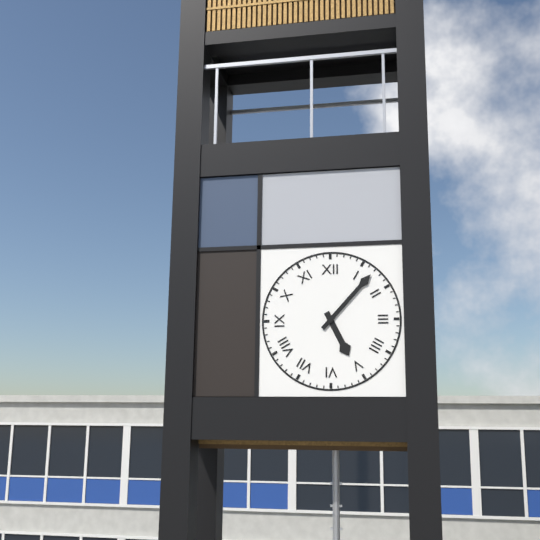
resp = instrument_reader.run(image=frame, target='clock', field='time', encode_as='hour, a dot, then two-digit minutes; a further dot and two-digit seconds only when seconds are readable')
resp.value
5.07
